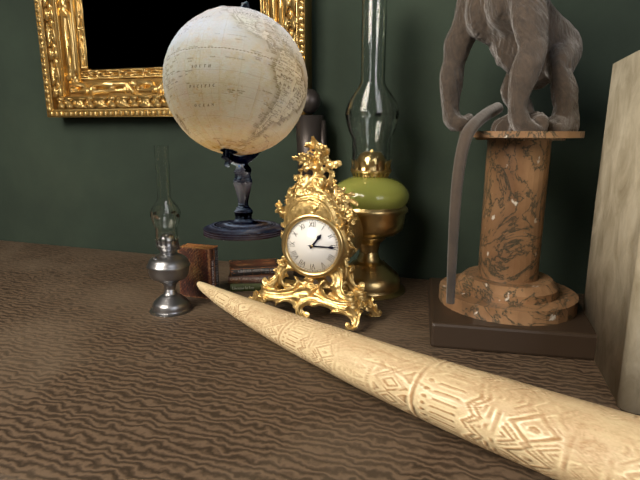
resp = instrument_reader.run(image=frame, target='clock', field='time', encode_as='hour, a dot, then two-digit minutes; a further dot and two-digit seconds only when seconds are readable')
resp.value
1.15
